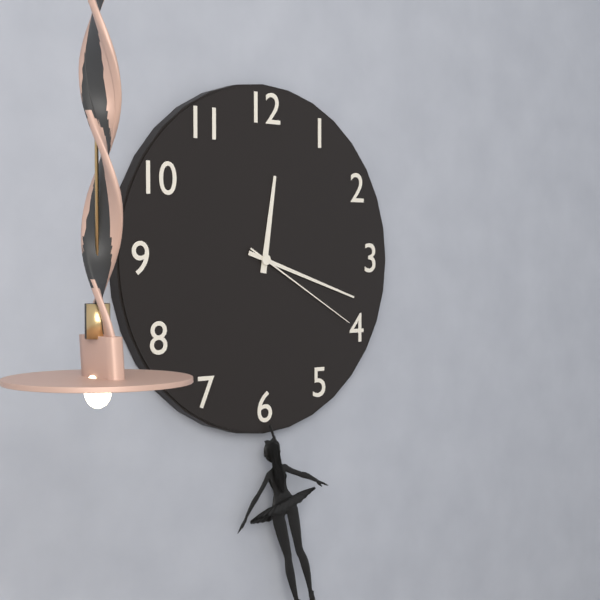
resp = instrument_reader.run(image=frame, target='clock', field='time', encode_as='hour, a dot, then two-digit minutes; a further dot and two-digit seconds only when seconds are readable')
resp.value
12.18.20
